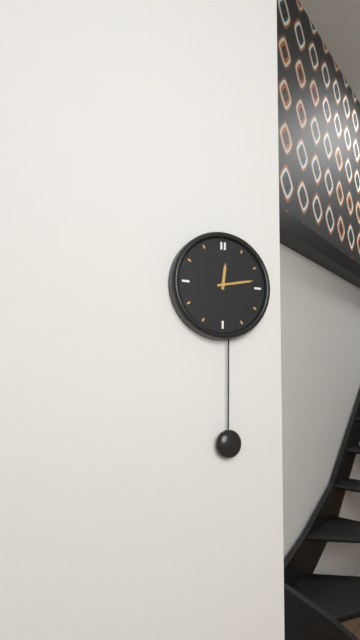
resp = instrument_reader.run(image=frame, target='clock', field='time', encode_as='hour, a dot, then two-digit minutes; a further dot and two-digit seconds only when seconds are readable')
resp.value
12.13
